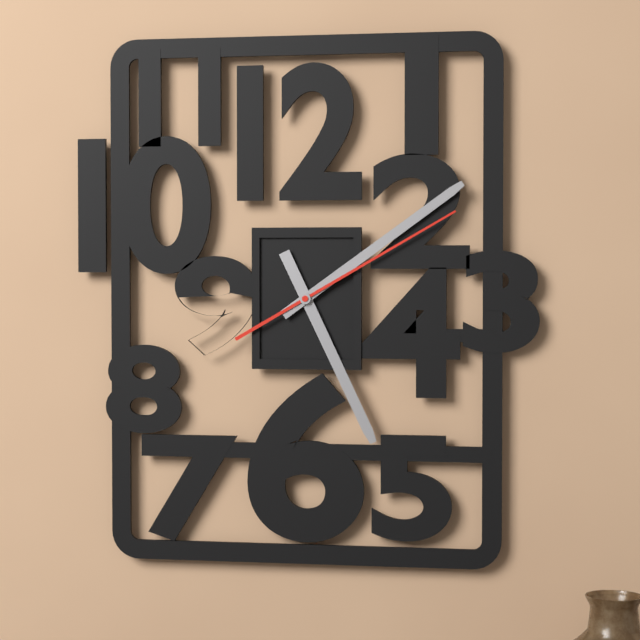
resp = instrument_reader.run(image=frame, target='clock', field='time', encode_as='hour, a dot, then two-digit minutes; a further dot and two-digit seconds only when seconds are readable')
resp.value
5.09.10
